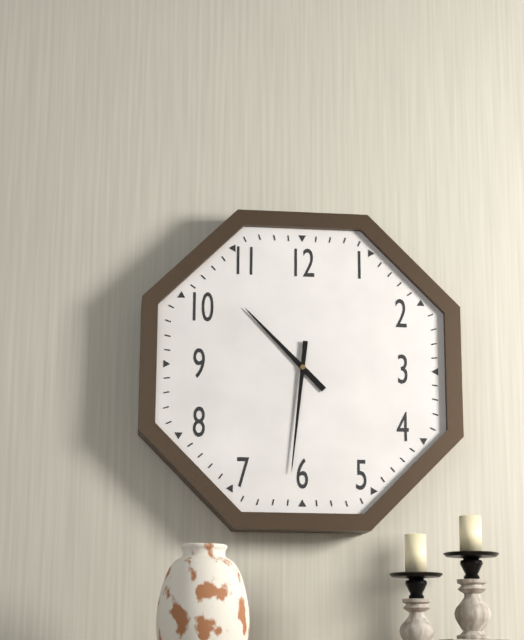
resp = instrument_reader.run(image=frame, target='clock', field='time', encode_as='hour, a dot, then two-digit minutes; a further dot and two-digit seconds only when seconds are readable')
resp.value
10.31
